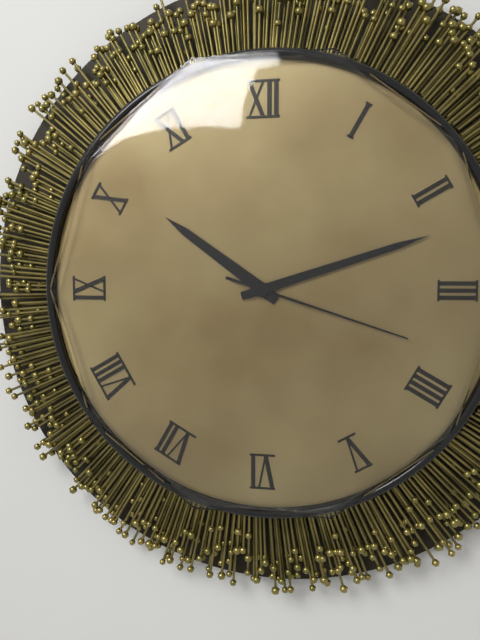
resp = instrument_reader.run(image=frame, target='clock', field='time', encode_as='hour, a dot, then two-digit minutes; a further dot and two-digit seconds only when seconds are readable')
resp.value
10.12.18
